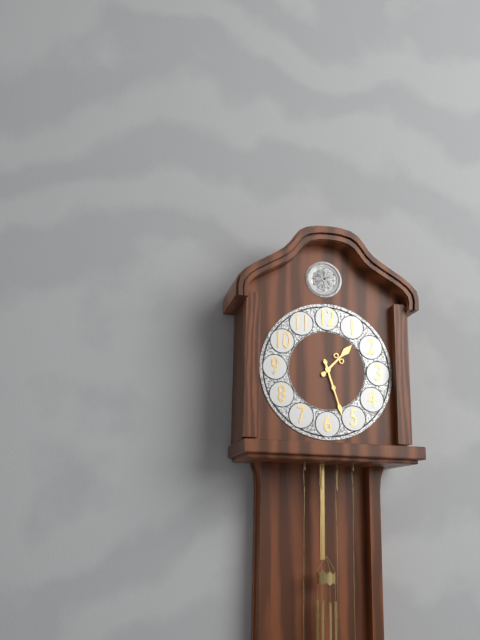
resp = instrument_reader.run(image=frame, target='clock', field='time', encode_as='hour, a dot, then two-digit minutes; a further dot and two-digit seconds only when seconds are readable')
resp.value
1.27
